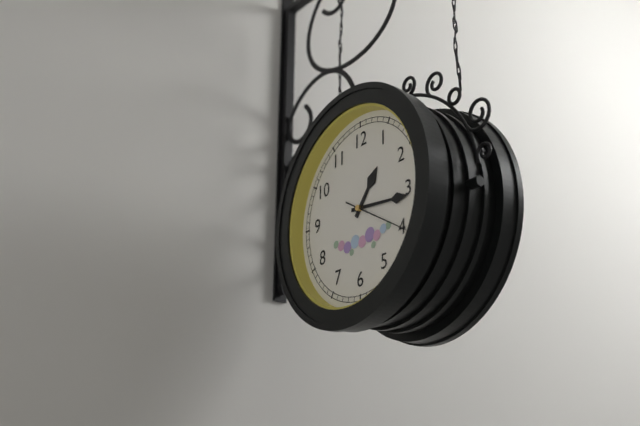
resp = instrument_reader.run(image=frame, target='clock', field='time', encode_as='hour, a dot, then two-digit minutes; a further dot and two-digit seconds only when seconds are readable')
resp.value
1.16.20
